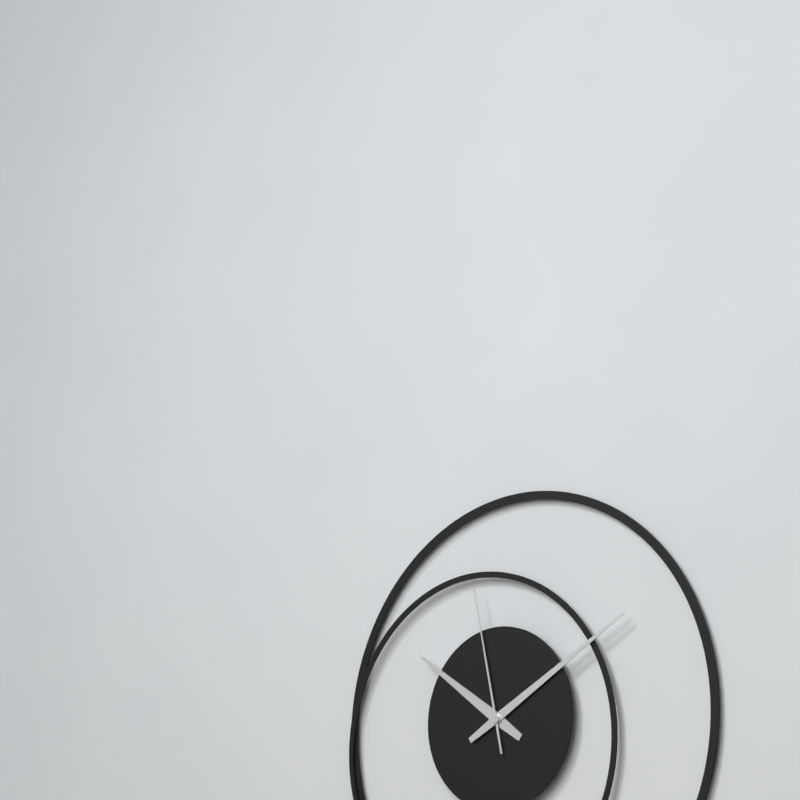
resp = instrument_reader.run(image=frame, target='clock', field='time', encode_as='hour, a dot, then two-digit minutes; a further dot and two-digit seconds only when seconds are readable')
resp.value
10.10.58
